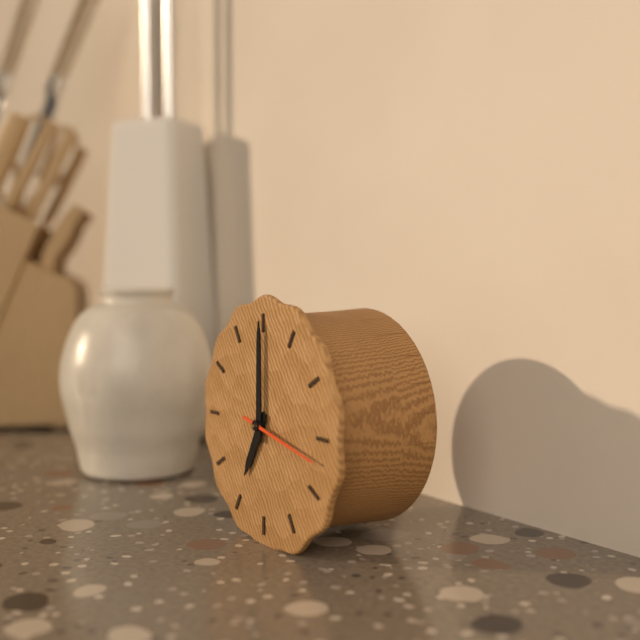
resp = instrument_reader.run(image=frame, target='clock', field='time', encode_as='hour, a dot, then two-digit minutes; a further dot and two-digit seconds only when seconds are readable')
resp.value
7.00.17
